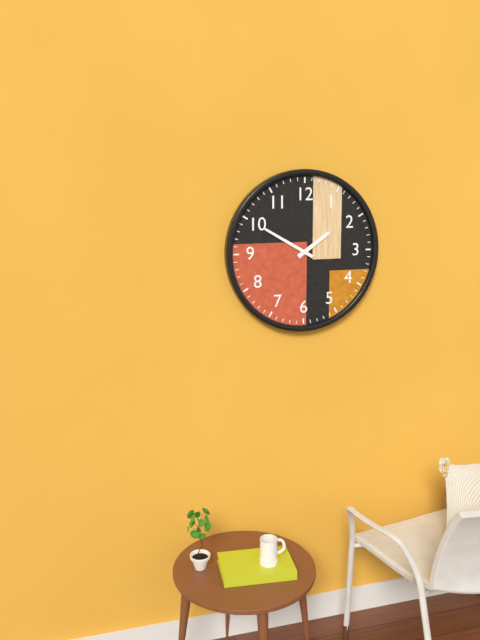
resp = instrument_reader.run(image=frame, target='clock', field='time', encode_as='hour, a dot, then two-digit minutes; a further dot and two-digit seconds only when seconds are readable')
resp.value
1.50
